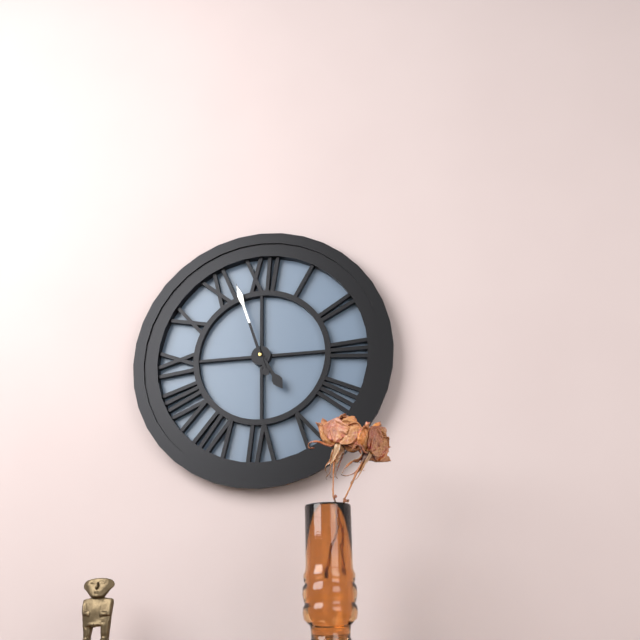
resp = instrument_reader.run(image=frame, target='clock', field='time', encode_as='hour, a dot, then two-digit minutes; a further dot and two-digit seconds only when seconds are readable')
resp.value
4.57
